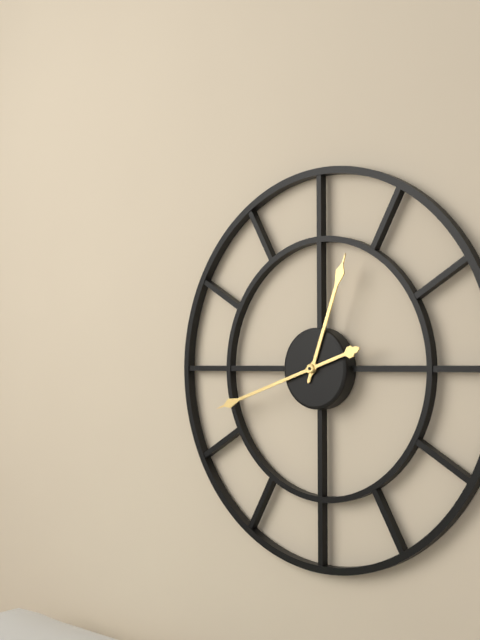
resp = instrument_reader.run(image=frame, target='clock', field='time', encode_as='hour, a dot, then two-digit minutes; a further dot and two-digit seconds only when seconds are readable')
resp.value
12.42
